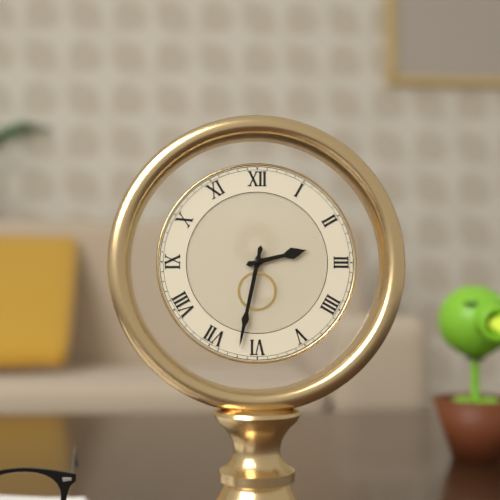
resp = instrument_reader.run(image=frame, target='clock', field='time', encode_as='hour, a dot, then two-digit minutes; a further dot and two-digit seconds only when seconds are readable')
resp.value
2.32
